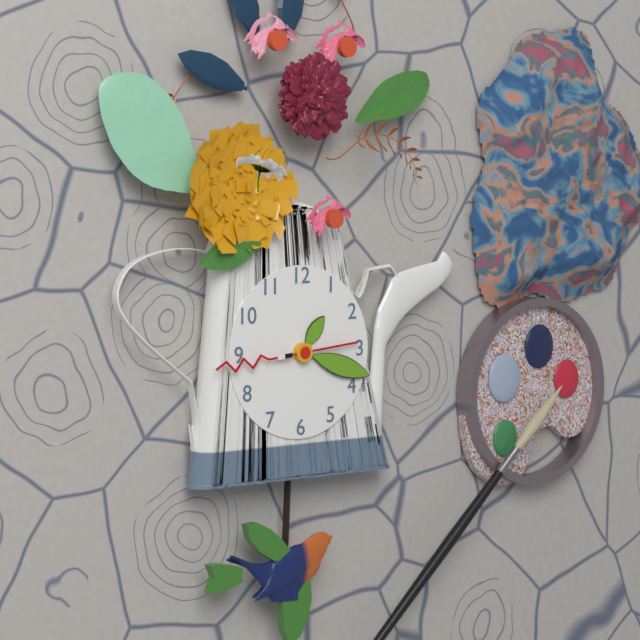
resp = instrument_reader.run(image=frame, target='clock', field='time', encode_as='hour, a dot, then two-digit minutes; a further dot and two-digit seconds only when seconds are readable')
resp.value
1.18.44
